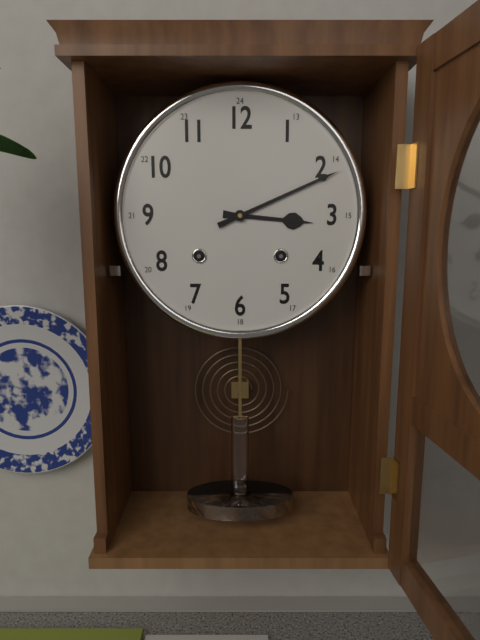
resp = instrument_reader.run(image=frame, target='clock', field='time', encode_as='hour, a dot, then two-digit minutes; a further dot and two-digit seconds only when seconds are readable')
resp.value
3.11
